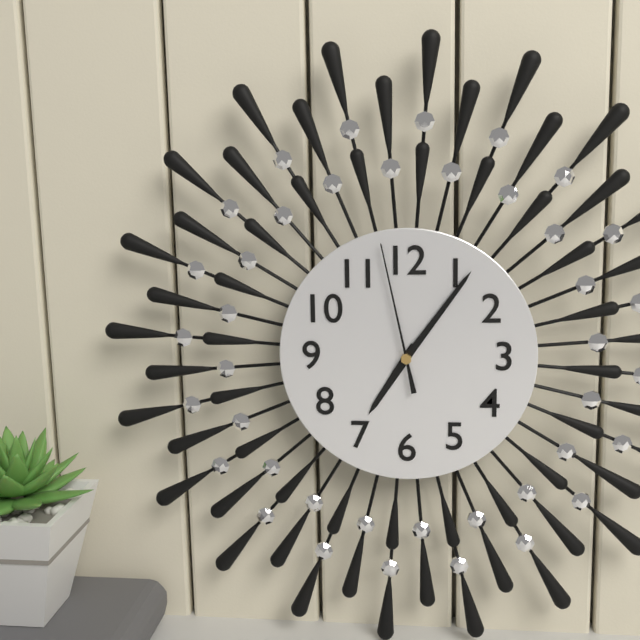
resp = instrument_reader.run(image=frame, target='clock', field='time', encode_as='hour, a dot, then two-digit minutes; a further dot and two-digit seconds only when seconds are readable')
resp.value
7.06.58
